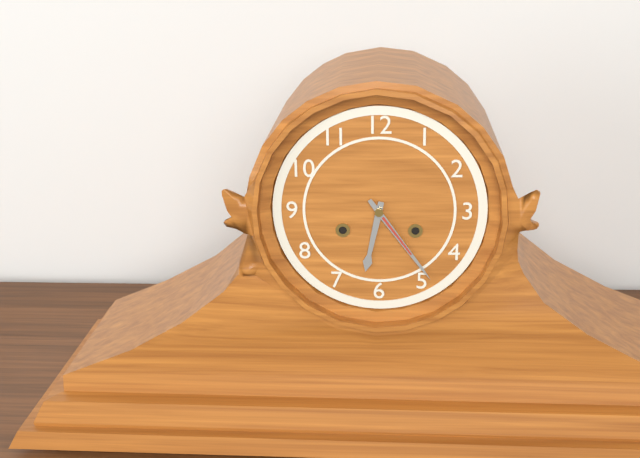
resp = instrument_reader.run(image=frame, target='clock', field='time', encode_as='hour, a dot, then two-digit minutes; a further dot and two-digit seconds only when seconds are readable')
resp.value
6.24
